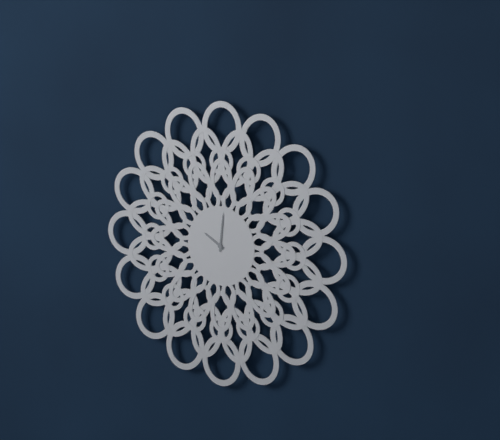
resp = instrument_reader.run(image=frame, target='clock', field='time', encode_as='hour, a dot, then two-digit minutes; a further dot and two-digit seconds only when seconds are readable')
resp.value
10.01
